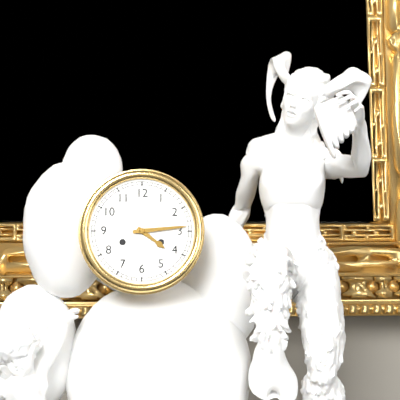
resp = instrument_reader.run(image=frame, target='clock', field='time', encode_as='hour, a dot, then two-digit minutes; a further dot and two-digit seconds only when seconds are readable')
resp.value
4.14
